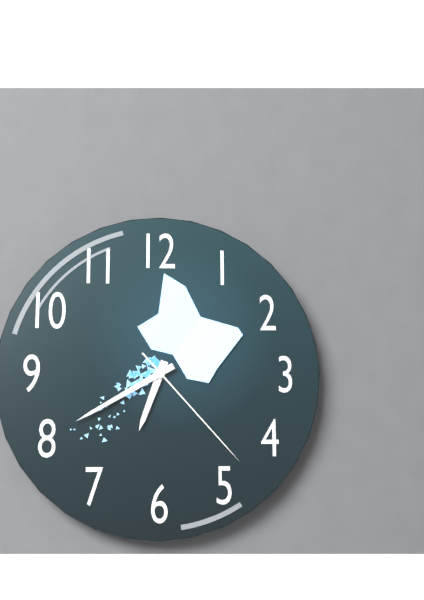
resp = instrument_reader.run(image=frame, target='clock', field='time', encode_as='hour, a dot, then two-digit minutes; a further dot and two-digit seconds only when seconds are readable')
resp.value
6.40.23
